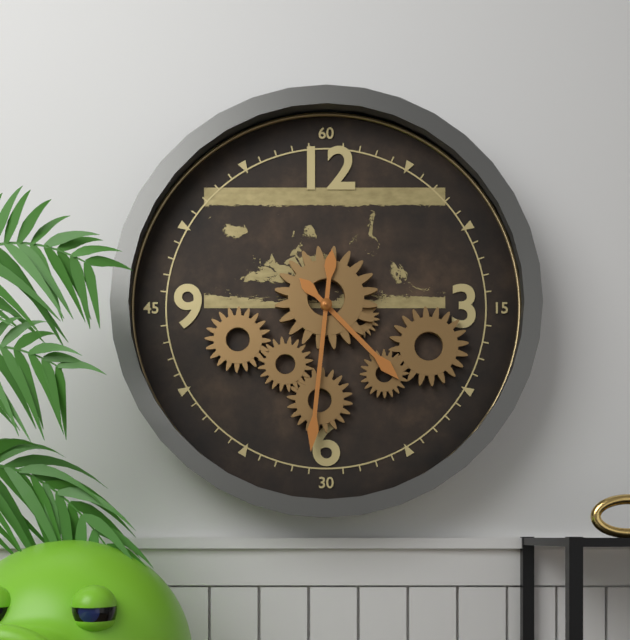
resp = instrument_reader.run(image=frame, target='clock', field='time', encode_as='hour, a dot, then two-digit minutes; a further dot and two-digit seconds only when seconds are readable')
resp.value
4.31
